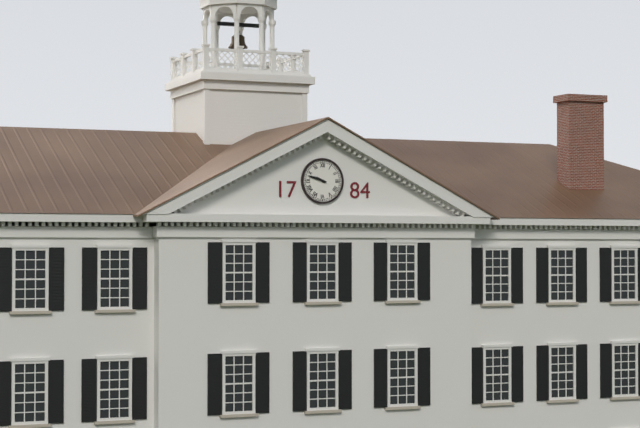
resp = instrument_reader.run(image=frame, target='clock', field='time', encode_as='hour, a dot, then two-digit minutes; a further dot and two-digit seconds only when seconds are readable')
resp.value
9.48
